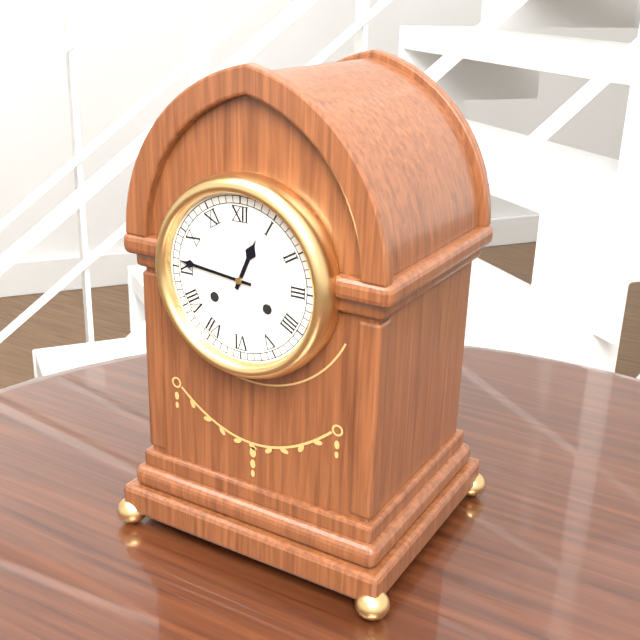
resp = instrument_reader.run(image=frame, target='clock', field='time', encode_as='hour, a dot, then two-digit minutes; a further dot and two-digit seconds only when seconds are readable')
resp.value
12.46
